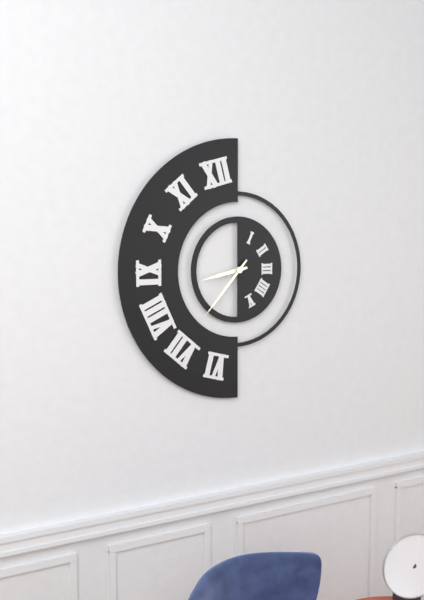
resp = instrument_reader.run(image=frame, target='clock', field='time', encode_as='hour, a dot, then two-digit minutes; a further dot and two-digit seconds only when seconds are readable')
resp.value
8.37
